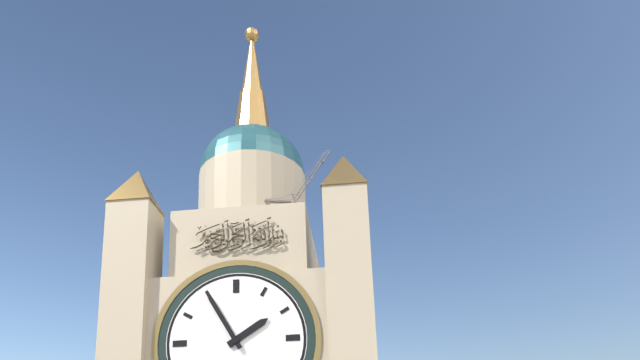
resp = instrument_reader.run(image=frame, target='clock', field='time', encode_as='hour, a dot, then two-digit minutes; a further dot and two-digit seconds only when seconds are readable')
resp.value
1.55
